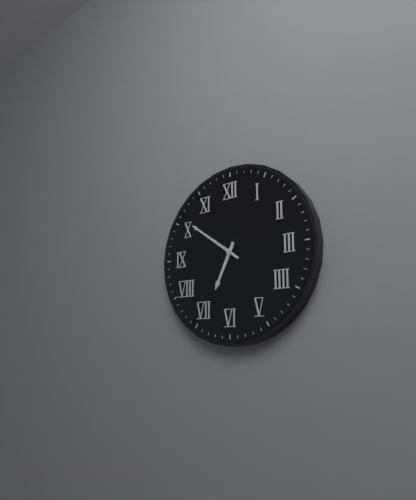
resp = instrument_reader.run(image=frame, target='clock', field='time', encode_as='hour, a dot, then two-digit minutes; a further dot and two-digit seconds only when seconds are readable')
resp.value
6.51
